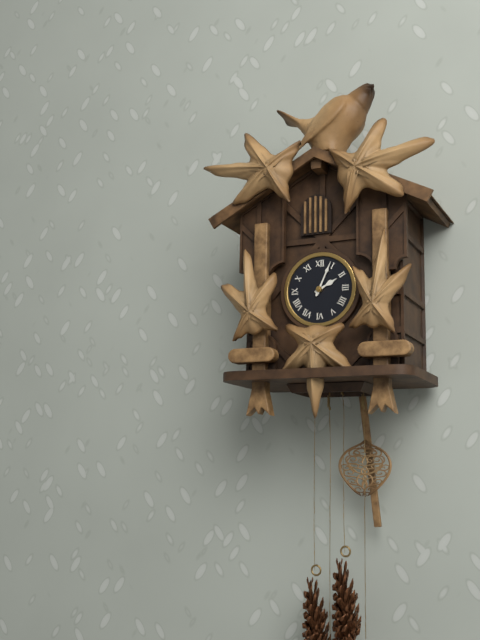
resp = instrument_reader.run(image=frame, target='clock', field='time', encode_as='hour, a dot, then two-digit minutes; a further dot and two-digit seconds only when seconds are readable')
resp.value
2.04
